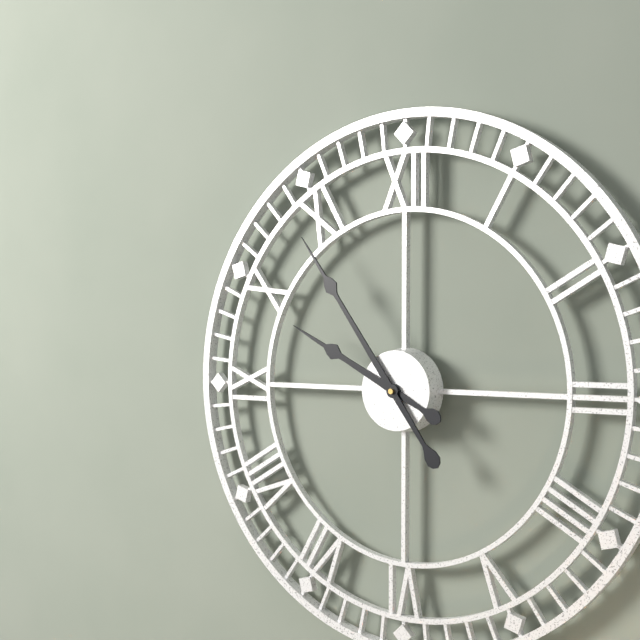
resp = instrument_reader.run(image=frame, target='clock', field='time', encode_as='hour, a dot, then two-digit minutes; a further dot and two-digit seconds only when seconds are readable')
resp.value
9.54
